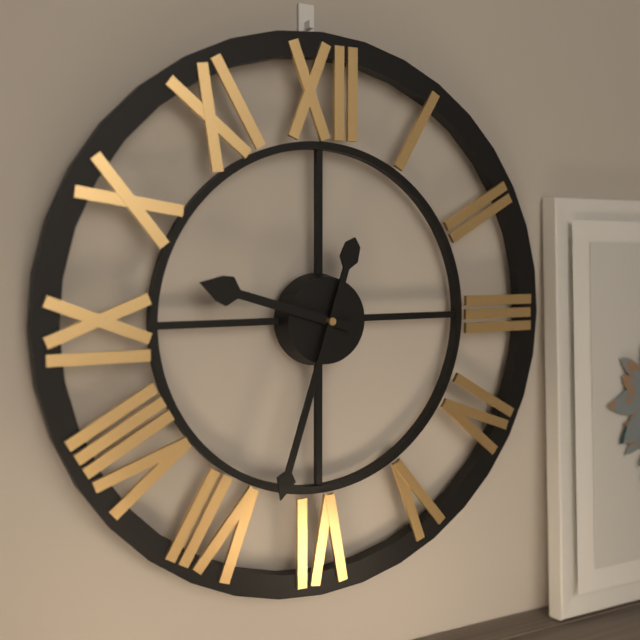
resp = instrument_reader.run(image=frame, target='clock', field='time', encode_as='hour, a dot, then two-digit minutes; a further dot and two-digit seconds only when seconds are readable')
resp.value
9.33
